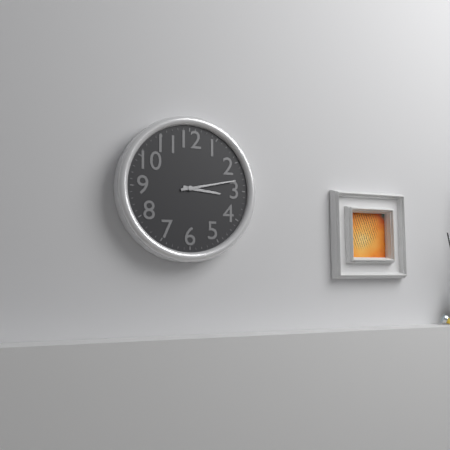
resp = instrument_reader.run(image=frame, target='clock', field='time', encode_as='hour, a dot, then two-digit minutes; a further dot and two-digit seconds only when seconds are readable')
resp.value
3.13
